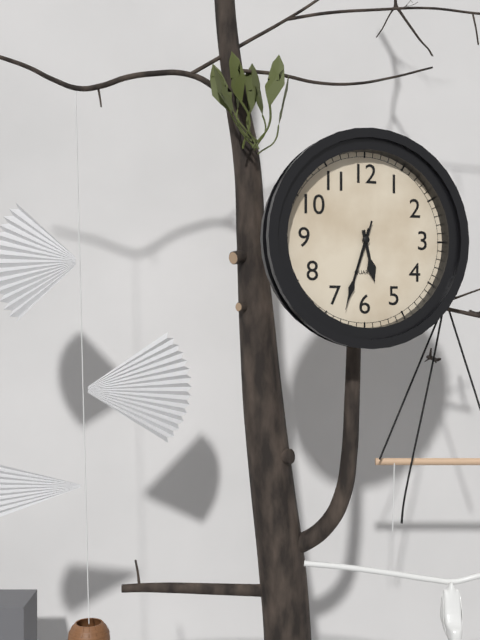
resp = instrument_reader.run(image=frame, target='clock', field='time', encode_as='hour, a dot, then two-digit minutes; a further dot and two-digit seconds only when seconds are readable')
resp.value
5.33.33
